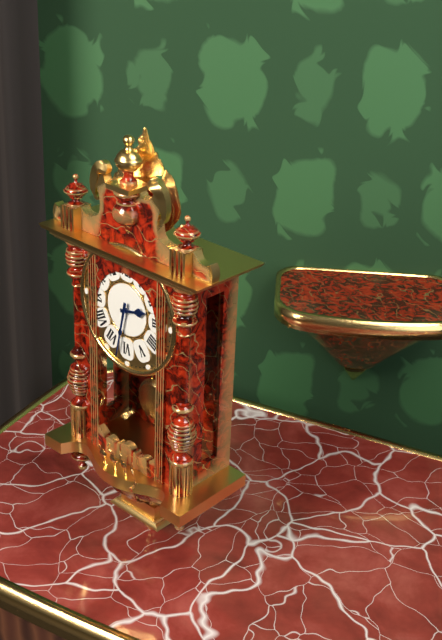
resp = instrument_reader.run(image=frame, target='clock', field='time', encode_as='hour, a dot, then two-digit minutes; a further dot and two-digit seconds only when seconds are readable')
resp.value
2.32
